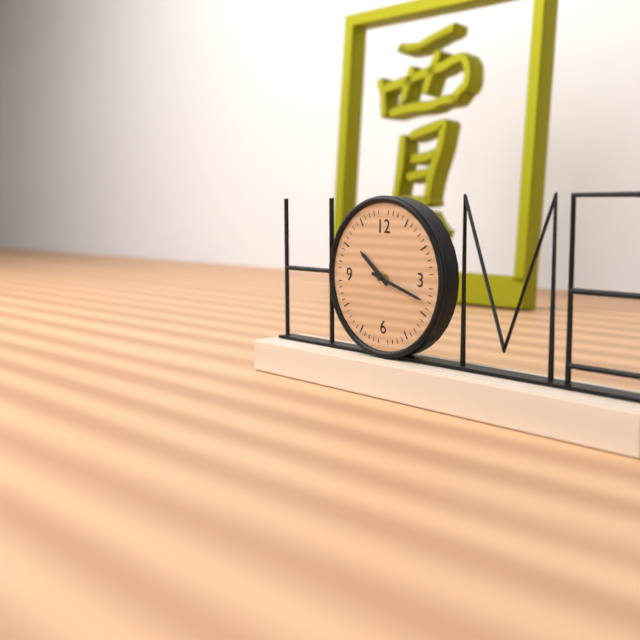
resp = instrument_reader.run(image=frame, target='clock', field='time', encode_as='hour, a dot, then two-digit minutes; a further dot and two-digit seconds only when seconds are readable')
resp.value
10.18
